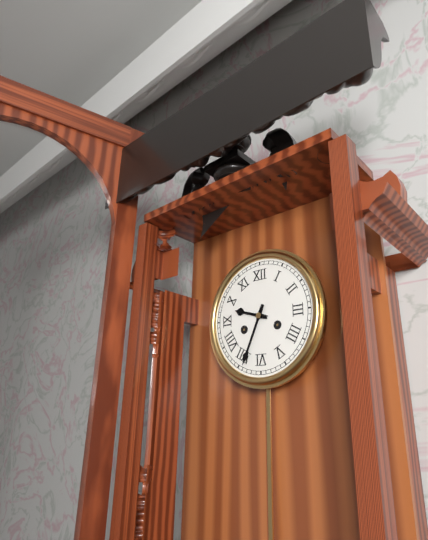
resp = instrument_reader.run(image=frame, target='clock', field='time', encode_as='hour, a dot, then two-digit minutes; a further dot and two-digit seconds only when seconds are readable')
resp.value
9.34
